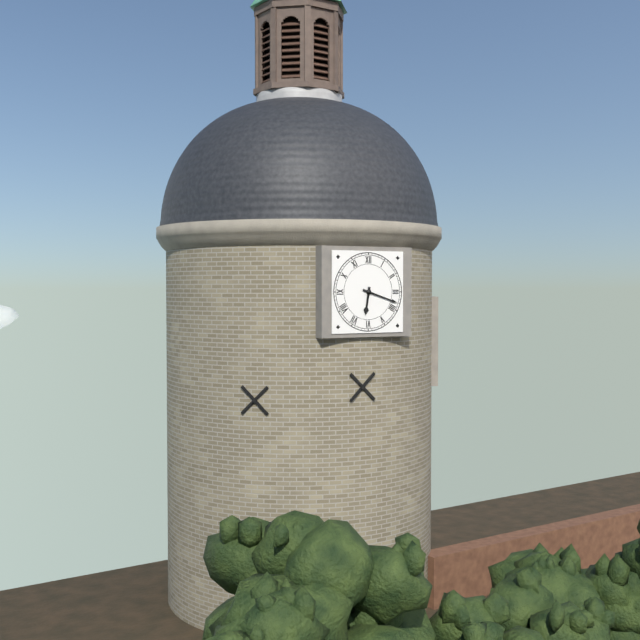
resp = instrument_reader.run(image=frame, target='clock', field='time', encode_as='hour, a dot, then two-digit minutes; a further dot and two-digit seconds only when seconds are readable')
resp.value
6.18
